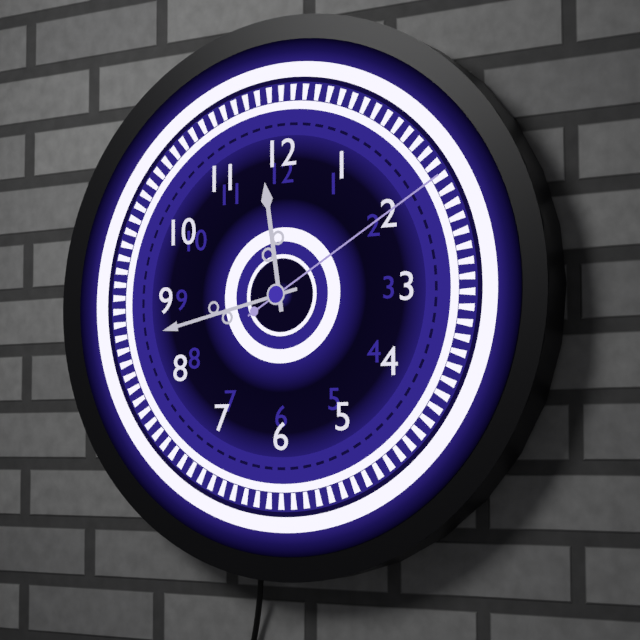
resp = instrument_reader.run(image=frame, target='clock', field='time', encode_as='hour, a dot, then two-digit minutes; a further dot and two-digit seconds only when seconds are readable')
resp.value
11.43.10
